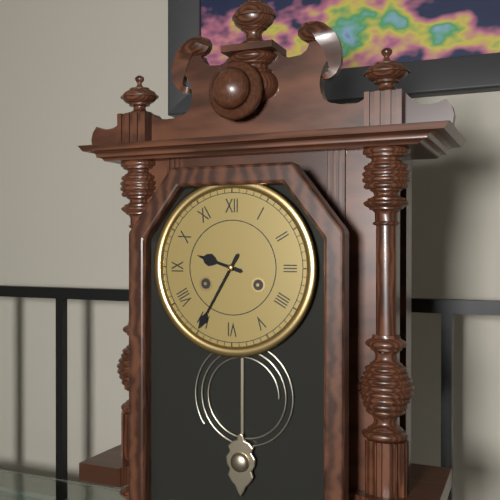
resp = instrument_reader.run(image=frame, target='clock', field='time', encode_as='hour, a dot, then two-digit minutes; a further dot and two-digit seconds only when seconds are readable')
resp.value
9.35
